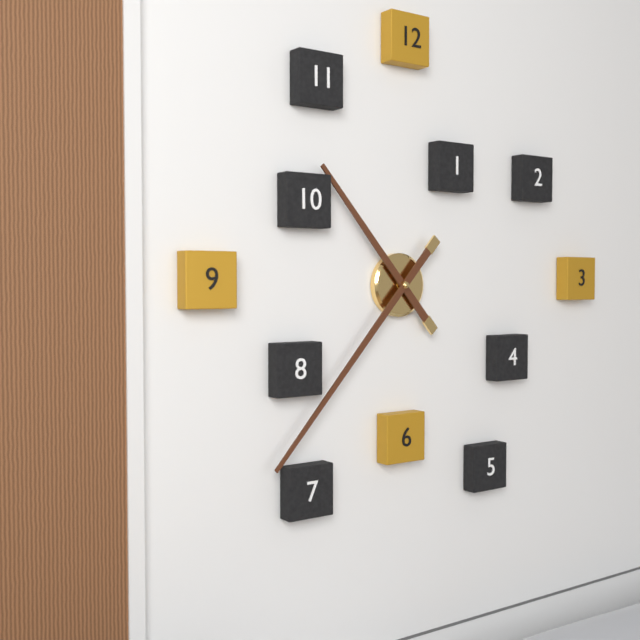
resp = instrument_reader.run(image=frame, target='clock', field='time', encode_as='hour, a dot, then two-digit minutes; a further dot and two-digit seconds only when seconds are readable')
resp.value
10.37
